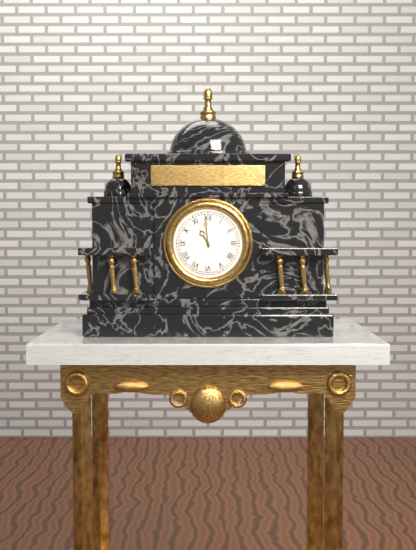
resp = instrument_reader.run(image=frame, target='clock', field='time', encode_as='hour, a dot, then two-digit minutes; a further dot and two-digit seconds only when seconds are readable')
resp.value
10.59
